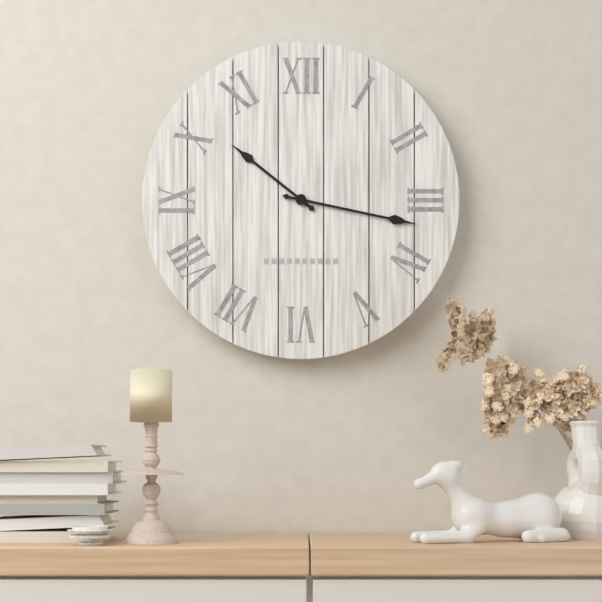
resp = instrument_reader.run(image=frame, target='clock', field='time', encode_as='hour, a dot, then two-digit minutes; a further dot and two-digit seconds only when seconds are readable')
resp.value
10.17
